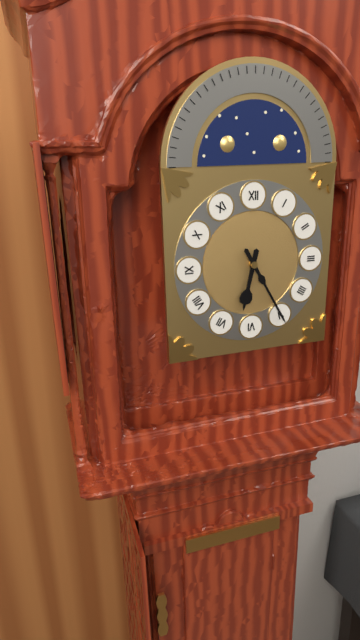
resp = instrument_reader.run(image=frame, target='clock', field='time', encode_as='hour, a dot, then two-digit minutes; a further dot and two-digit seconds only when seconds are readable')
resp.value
6.25
